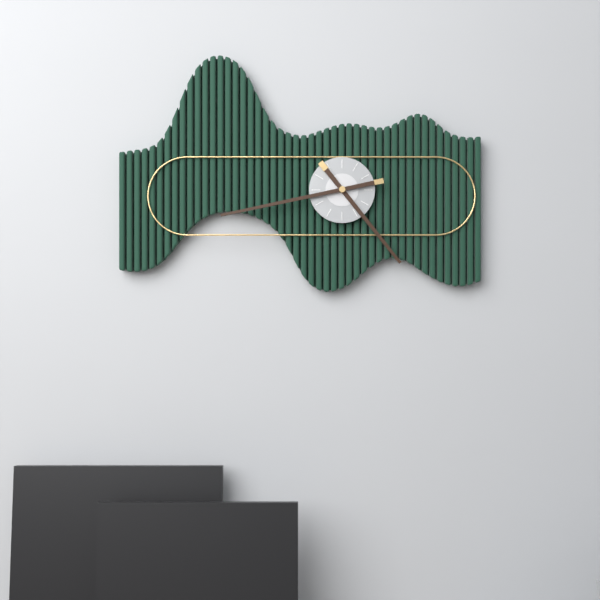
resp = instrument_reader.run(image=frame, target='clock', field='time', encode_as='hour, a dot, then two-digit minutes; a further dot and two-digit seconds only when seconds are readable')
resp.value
4.43
